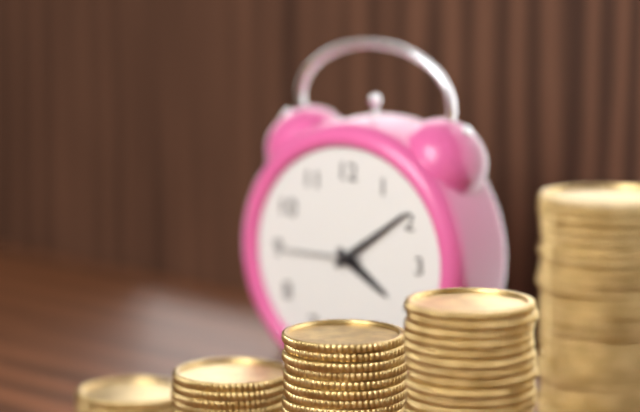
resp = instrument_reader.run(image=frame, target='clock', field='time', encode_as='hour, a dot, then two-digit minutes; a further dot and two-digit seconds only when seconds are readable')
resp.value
4.09.45
